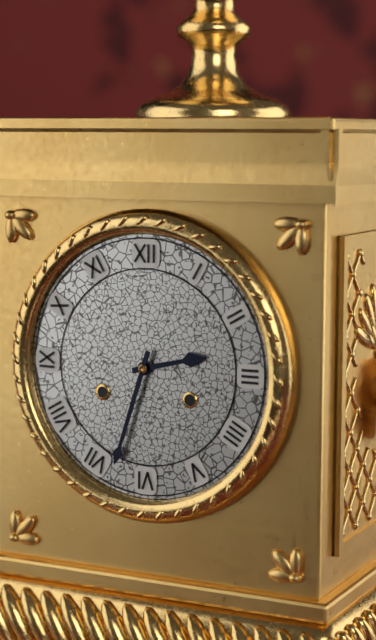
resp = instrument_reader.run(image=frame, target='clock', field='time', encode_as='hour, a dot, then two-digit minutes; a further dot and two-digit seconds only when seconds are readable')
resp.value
2.33
